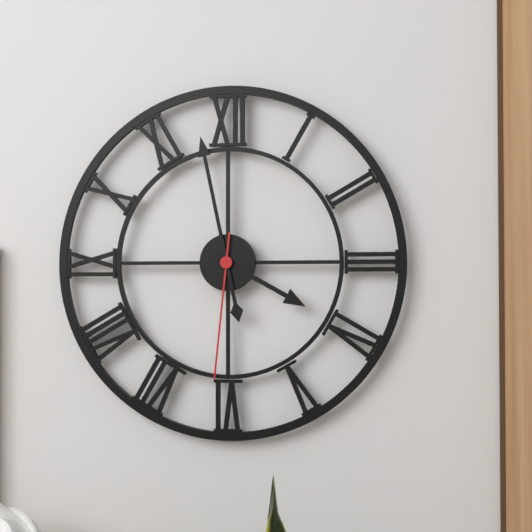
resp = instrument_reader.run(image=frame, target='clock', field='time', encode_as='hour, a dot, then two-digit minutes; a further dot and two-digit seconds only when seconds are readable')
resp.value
3.58.31
